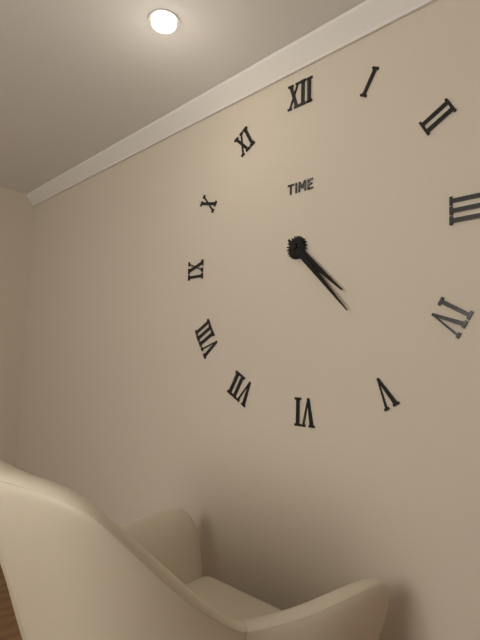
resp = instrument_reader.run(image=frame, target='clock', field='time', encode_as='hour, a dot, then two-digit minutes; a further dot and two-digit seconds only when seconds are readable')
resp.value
4.23
